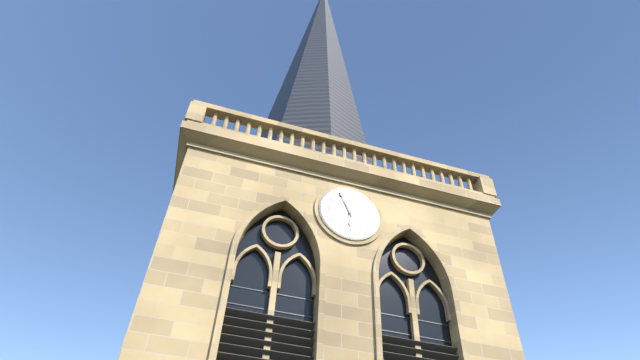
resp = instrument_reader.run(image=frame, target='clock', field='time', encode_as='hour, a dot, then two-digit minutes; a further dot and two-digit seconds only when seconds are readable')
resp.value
5.56
